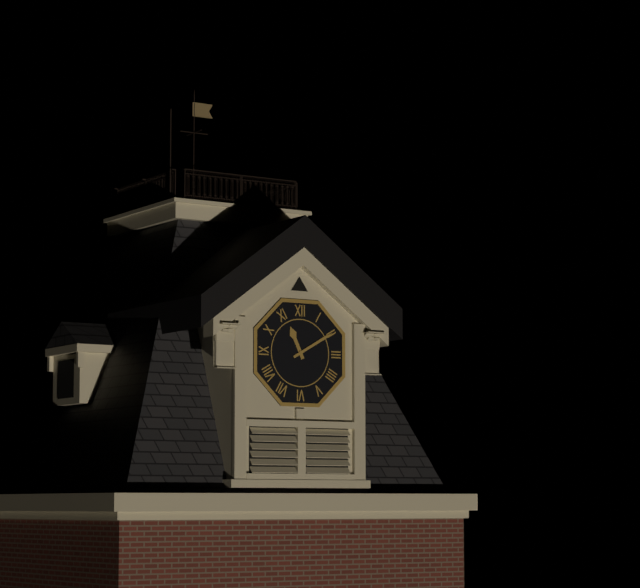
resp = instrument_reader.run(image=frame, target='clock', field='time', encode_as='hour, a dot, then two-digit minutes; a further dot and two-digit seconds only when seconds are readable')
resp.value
11.10
